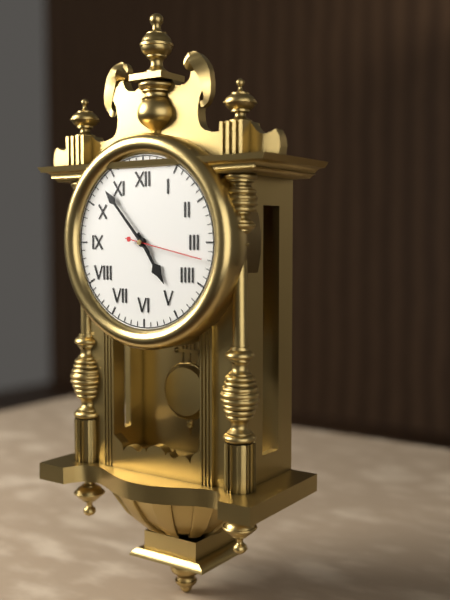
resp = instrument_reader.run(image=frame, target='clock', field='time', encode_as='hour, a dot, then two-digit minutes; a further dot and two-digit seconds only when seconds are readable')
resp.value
4.53.17
